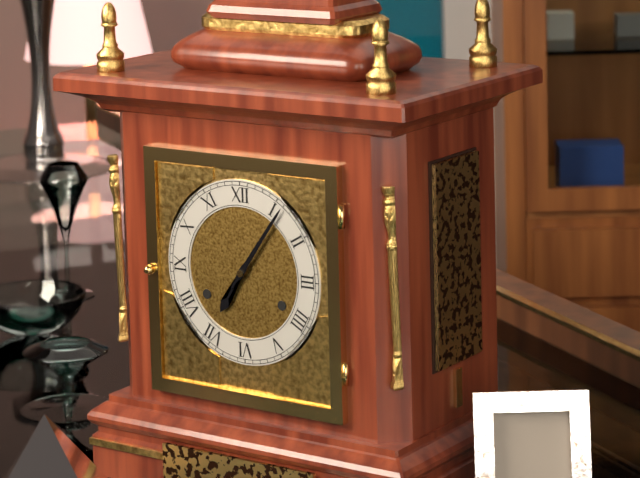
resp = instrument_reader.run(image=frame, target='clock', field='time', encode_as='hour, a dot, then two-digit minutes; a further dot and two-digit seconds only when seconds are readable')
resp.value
7.06
